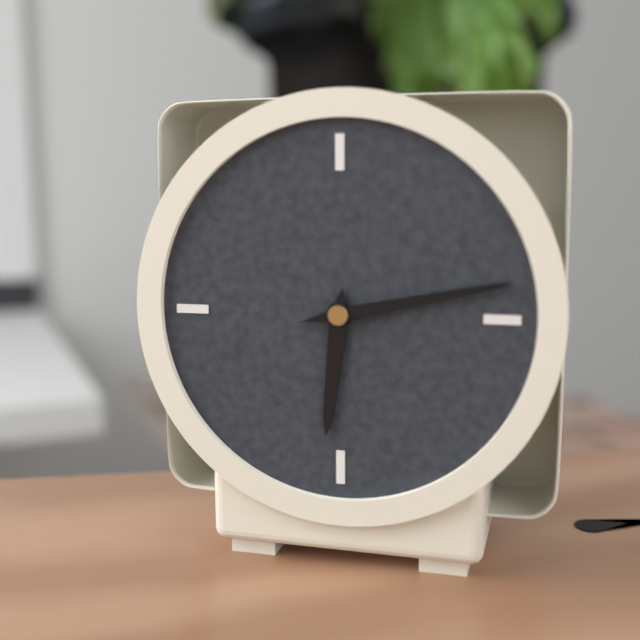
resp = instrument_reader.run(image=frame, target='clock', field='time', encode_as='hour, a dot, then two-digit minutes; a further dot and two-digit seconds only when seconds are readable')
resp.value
6.13
